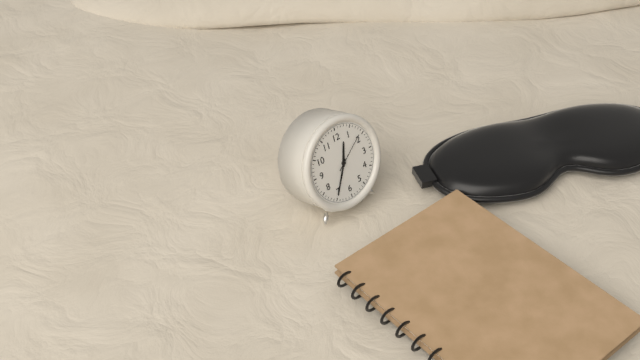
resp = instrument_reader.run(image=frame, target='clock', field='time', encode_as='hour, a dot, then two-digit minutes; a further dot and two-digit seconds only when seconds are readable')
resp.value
12.35
